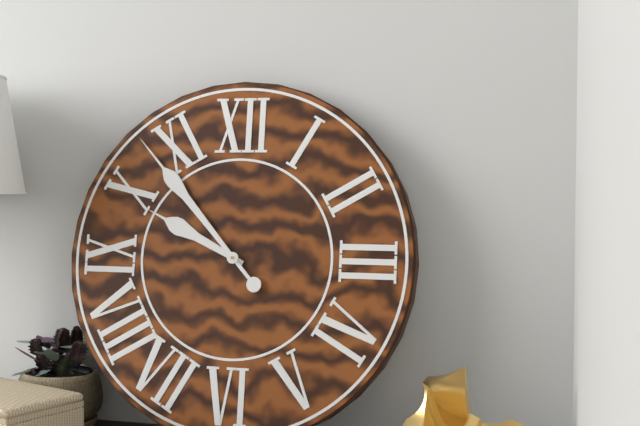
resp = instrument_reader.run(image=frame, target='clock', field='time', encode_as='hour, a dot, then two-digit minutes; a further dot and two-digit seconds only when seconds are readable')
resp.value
9.53
